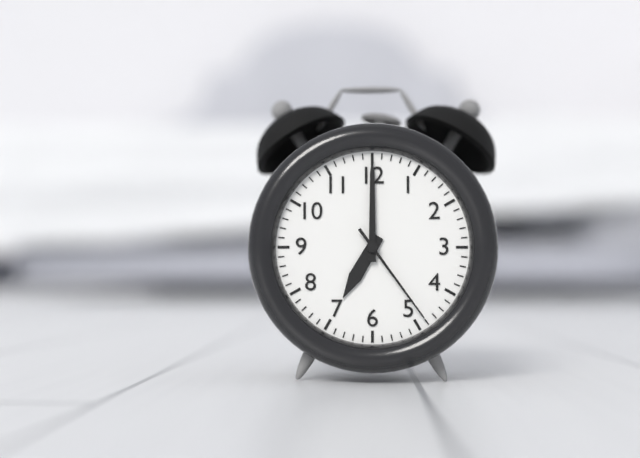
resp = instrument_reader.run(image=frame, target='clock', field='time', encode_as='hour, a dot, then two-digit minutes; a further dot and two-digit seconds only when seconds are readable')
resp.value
7.00.24
